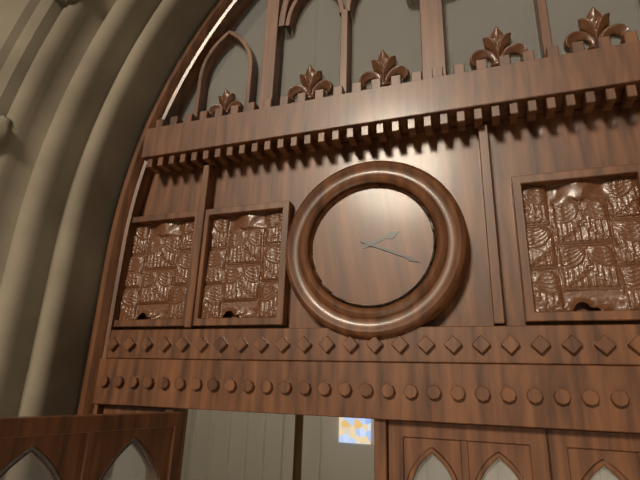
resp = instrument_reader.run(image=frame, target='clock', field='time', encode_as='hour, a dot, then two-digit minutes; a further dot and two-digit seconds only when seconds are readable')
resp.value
2.19
